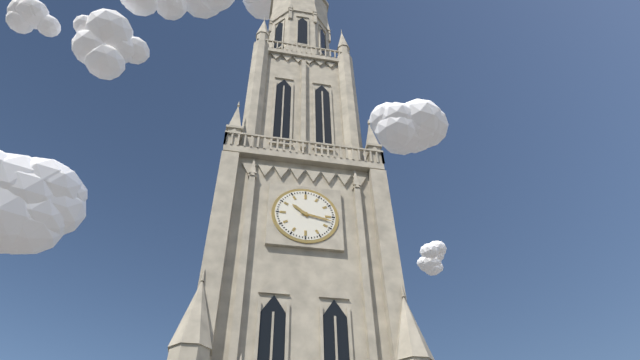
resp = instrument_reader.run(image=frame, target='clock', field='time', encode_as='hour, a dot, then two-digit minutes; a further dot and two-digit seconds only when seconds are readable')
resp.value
10.17
